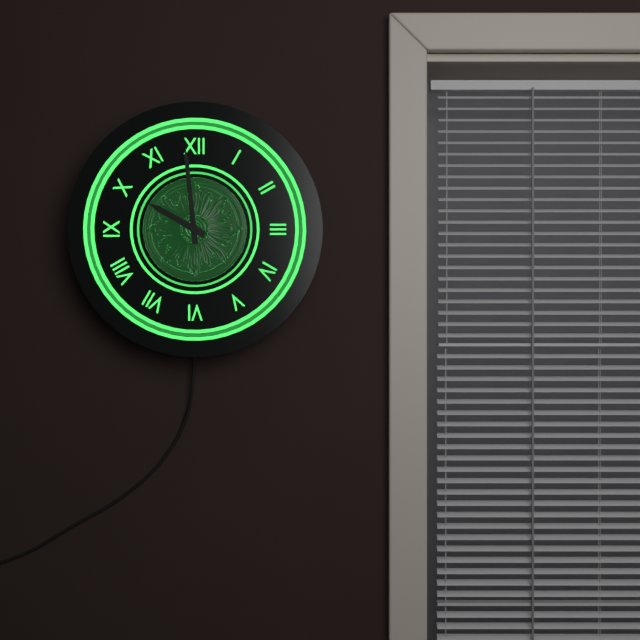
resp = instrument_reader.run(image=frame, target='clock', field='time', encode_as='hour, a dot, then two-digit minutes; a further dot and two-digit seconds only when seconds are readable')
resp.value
9.59
